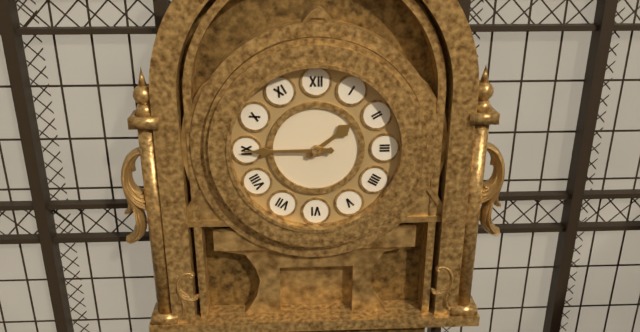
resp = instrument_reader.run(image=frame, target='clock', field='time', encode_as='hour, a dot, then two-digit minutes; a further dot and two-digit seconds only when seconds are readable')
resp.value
1.45
